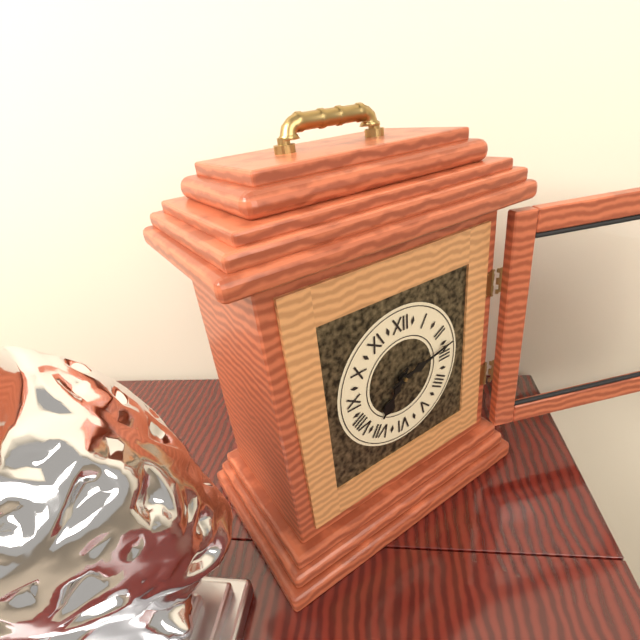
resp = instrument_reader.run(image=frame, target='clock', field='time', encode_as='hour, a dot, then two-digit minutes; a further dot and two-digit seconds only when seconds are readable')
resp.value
7.13
